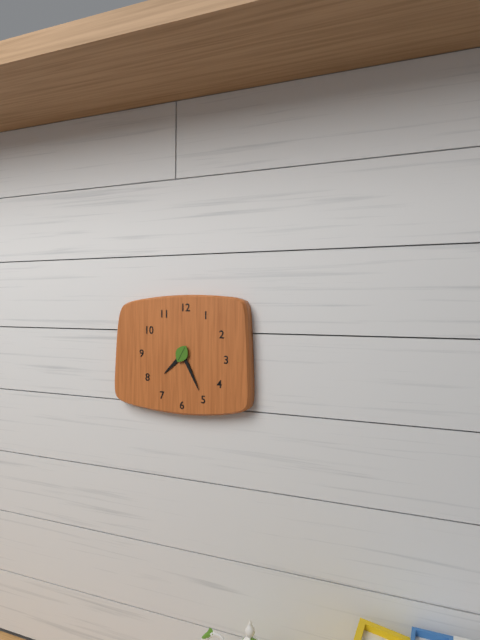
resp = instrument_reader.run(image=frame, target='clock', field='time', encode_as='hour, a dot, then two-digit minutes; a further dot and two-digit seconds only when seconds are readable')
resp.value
7.25
